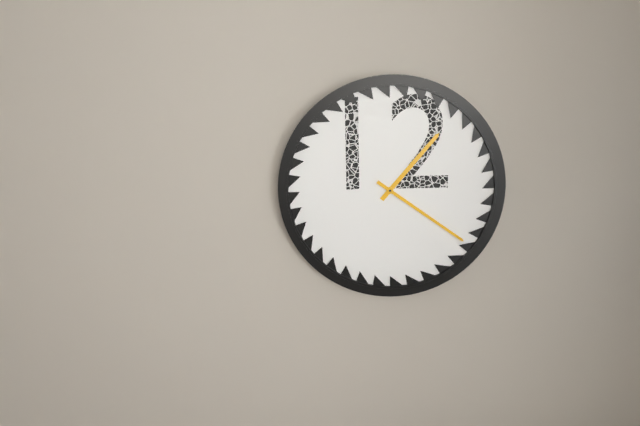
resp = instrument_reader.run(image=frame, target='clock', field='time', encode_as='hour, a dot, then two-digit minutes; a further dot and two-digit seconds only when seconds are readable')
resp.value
1.21
